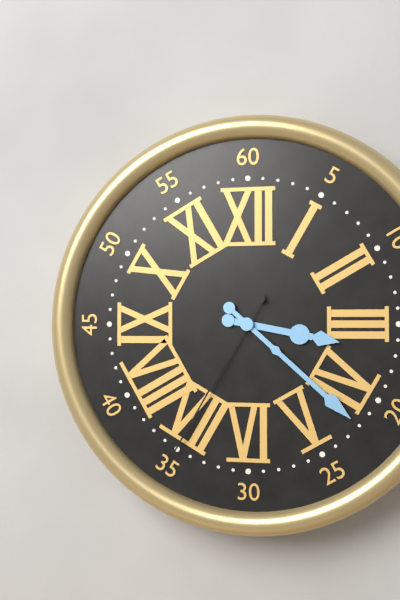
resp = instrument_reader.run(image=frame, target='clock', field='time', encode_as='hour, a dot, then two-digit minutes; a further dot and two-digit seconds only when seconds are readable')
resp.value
3.22.35
